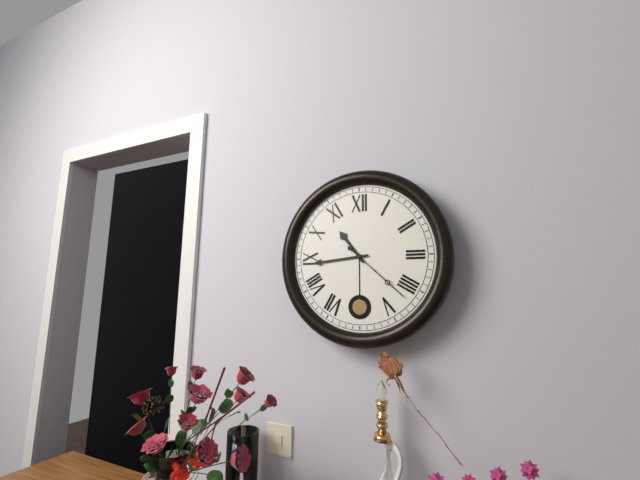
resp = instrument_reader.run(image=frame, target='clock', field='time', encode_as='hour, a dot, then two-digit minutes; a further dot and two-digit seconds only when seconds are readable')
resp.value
10.44.22
